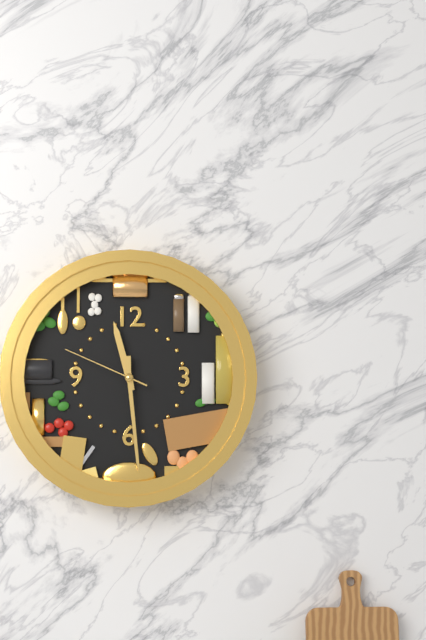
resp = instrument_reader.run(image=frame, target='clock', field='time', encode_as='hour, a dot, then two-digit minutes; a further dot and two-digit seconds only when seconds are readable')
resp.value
11.29.49
